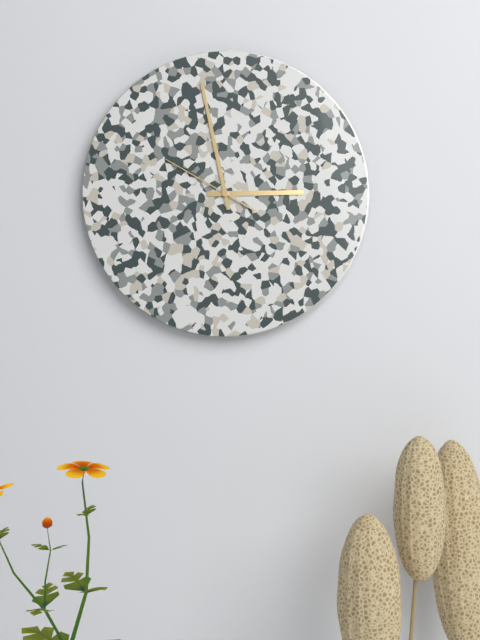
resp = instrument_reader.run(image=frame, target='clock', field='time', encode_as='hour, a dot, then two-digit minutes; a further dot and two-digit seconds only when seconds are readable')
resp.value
2.58.50
